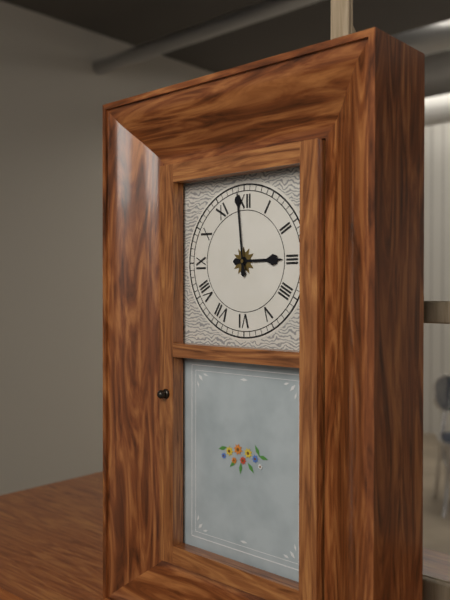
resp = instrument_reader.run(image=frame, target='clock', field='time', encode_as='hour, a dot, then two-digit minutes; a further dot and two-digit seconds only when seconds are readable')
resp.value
2.59
